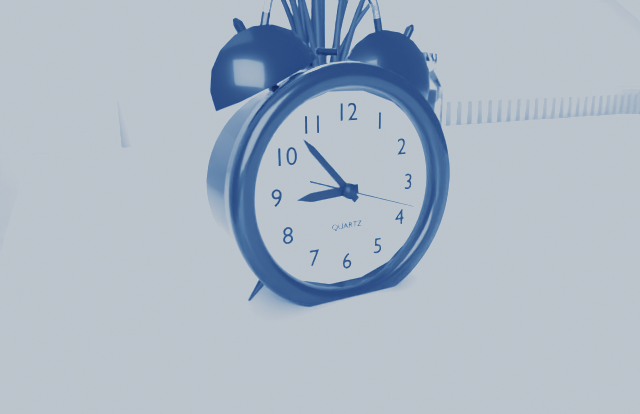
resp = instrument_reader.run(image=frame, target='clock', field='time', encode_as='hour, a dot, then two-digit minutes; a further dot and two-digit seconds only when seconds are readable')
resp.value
8.53.18
